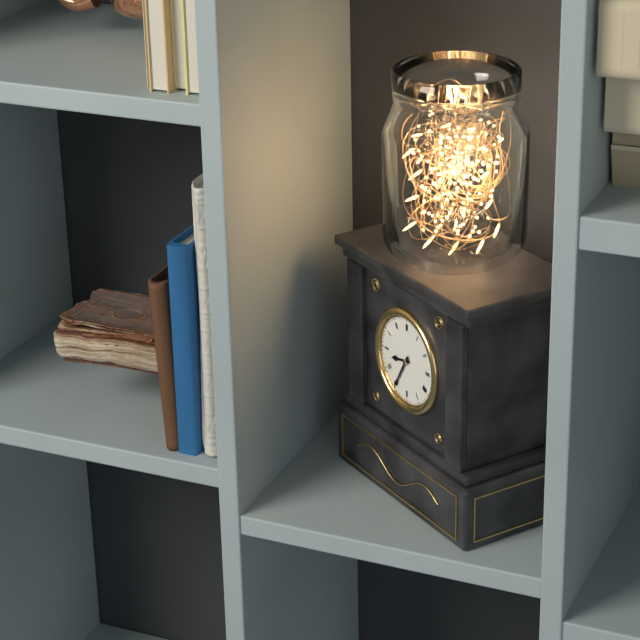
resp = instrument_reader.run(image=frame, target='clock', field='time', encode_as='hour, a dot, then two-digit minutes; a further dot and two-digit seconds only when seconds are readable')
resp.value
8.35
